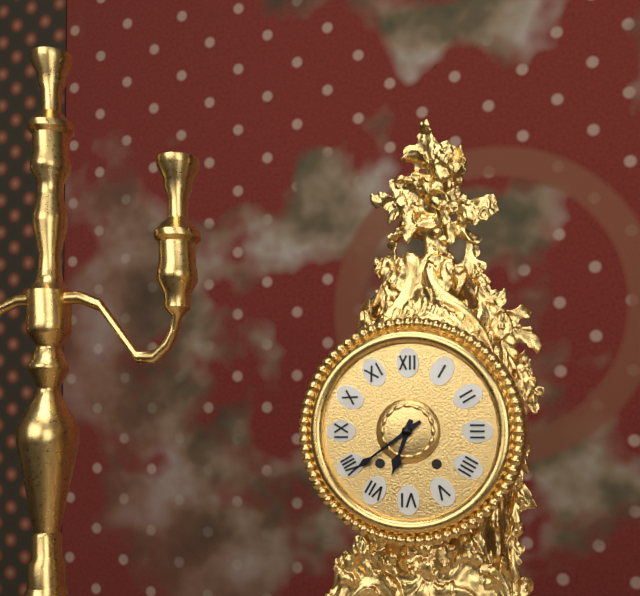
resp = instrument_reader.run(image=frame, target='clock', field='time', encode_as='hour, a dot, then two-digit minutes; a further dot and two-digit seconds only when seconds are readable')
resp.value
6.39
